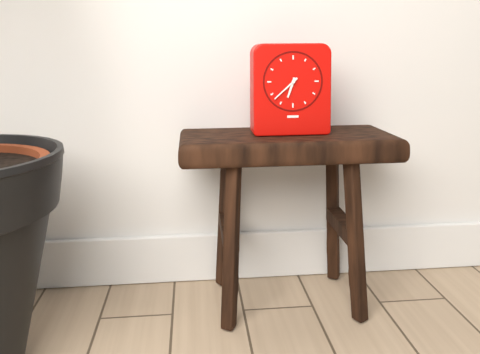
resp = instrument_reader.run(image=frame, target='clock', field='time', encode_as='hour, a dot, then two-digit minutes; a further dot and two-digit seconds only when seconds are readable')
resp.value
6.38
